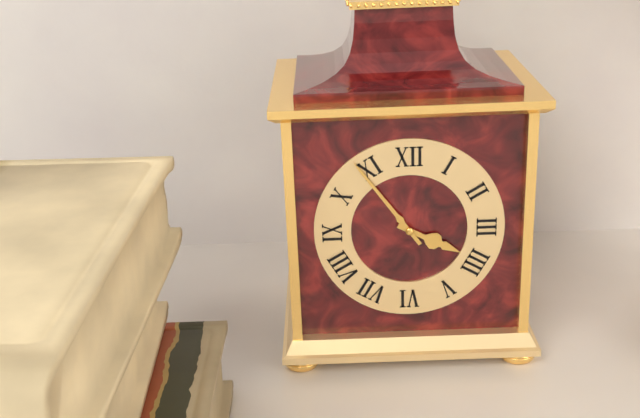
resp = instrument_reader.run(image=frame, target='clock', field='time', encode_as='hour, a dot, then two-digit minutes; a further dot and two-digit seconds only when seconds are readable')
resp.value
3.54
